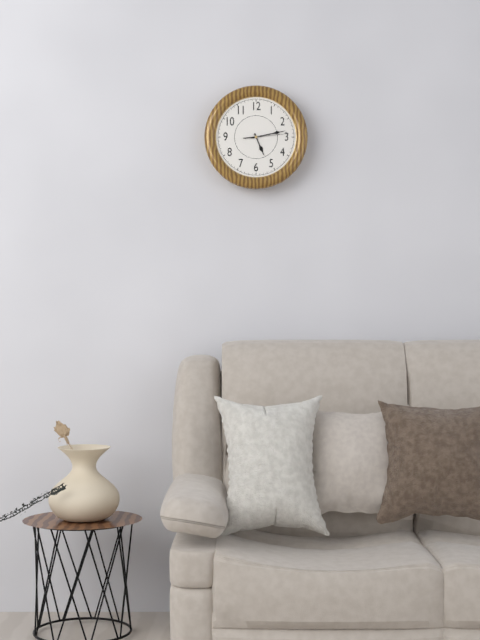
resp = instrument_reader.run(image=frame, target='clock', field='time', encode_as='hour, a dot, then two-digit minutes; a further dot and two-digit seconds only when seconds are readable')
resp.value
5.13
